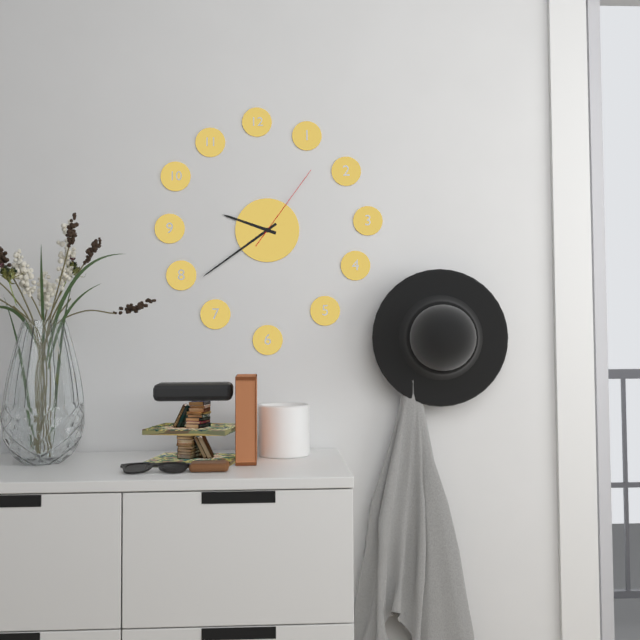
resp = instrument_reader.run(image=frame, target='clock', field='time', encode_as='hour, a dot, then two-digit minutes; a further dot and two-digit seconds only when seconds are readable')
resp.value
9.39.06
